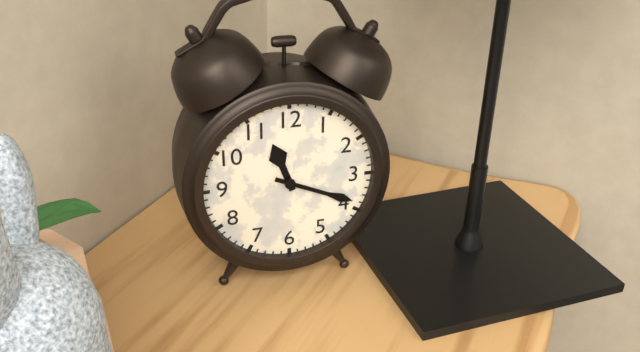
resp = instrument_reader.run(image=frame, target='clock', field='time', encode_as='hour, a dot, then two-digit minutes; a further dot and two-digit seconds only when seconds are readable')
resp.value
11.19
